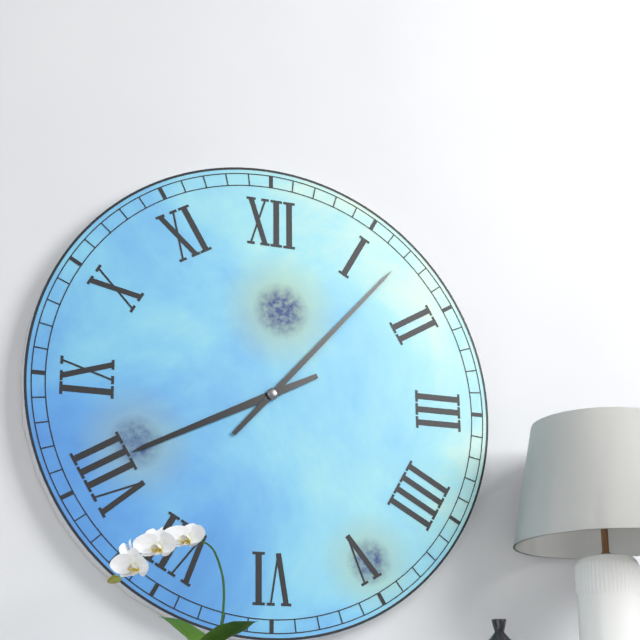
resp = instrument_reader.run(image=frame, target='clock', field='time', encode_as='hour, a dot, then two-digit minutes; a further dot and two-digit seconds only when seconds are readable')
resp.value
8.07
